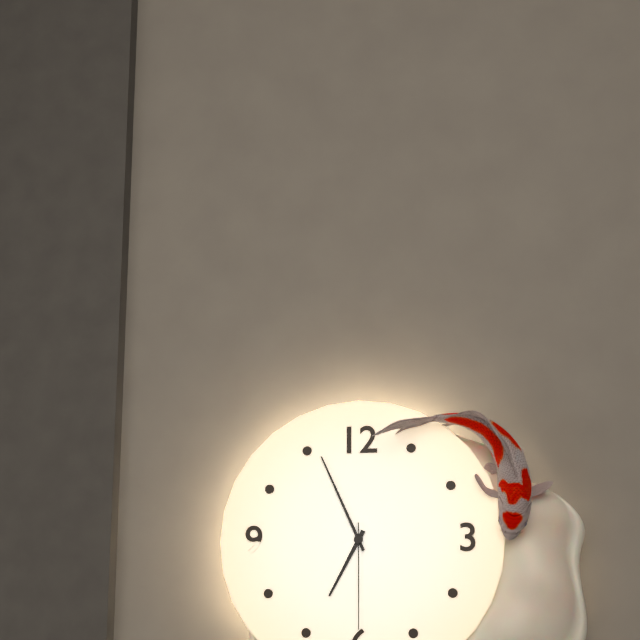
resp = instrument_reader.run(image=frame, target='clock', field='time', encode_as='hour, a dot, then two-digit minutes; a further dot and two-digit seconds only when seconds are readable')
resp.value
6.56.30
